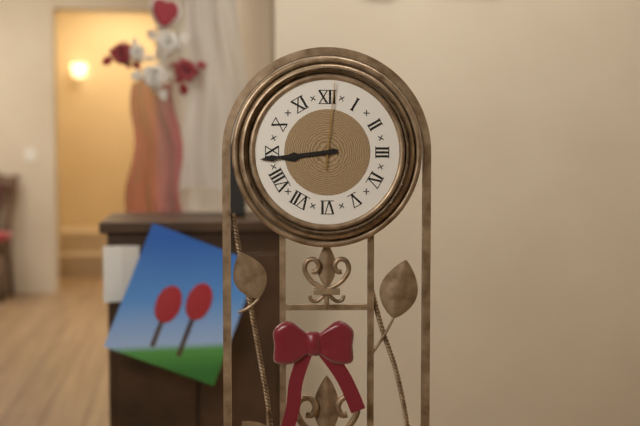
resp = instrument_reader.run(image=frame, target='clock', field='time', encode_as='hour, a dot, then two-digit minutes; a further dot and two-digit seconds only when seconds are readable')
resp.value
8.44.01
